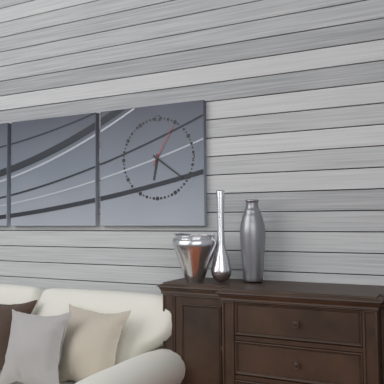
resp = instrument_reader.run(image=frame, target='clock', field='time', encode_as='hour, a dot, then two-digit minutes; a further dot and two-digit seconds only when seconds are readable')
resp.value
6.21
